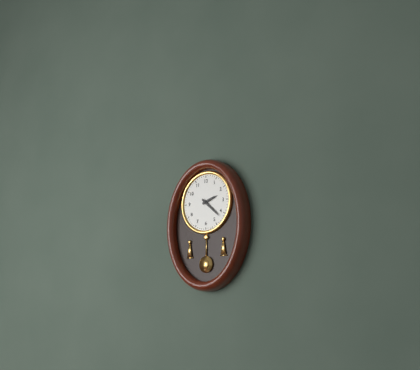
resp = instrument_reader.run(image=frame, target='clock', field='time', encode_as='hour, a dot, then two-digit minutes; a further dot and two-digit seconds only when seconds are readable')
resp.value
2.22
